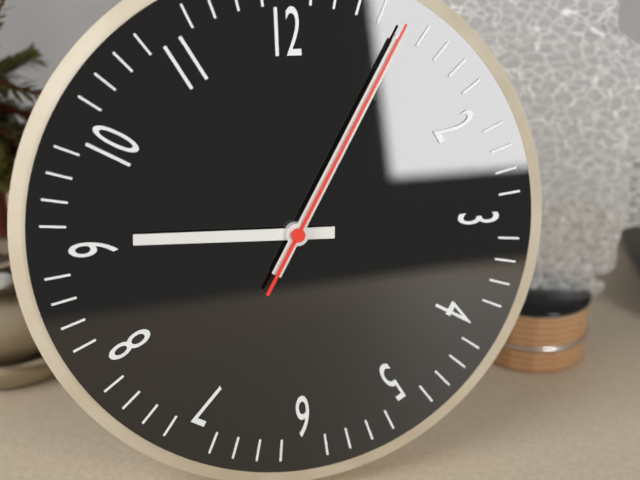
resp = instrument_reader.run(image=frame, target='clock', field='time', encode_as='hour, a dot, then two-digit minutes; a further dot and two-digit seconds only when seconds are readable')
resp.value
9.05.05
